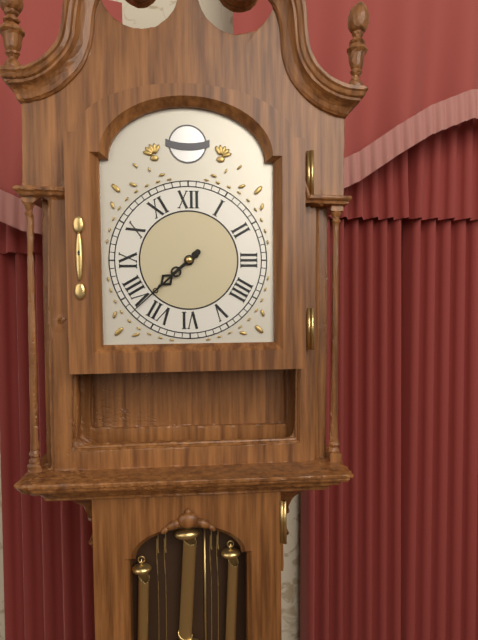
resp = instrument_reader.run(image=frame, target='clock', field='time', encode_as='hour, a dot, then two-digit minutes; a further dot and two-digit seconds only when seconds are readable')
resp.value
7.38
